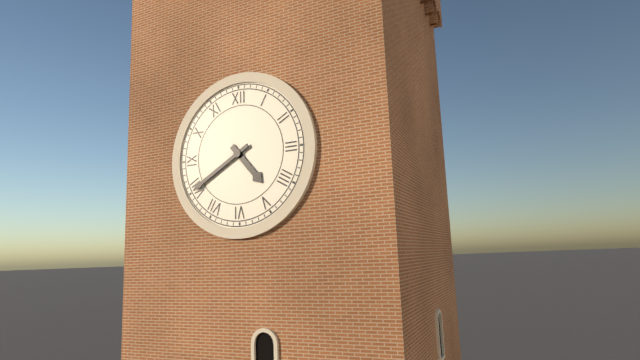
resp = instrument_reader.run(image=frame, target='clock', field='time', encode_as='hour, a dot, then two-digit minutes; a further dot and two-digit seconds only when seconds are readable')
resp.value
4.40
